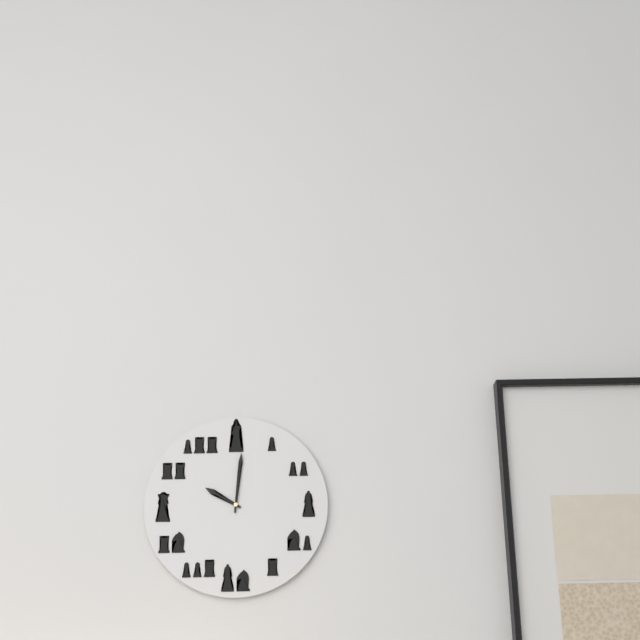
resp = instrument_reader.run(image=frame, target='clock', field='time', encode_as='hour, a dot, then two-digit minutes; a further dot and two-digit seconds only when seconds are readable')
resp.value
10.01
